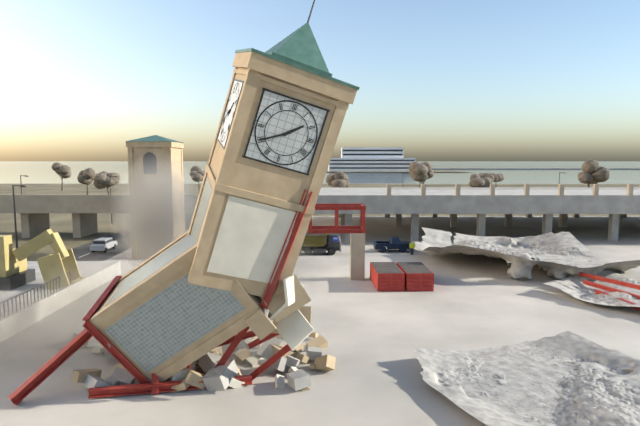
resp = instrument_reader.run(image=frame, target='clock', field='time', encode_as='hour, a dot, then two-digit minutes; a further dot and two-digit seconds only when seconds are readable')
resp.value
1.40
